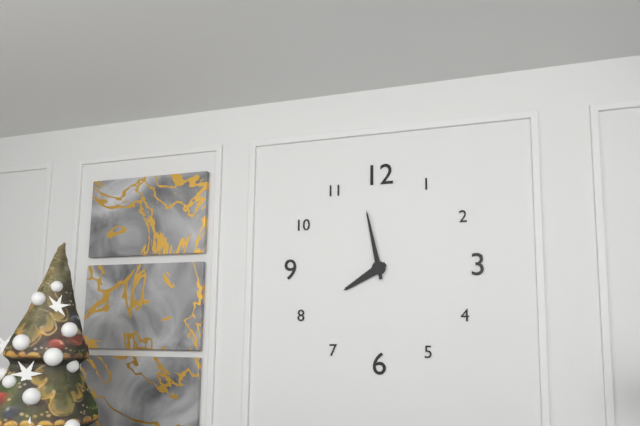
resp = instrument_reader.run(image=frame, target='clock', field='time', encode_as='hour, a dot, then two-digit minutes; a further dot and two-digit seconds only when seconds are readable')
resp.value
7.58
